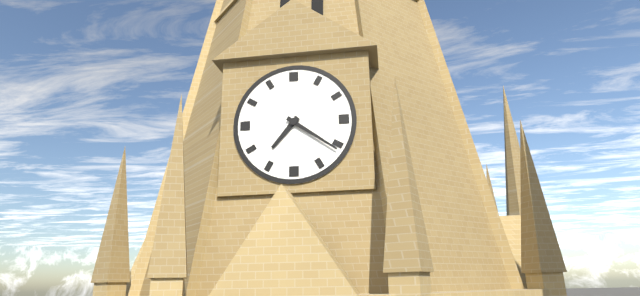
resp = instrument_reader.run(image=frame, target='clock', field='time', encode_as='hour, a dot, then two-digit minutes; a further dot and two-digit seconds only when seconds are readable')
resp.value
7.21
